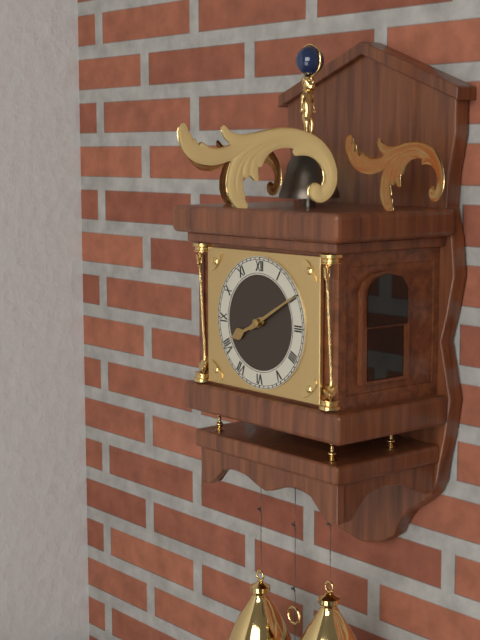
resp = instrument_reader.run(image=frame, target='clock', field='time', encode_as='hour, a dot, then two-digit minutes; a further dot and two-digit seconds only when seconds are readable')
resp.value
8.10
